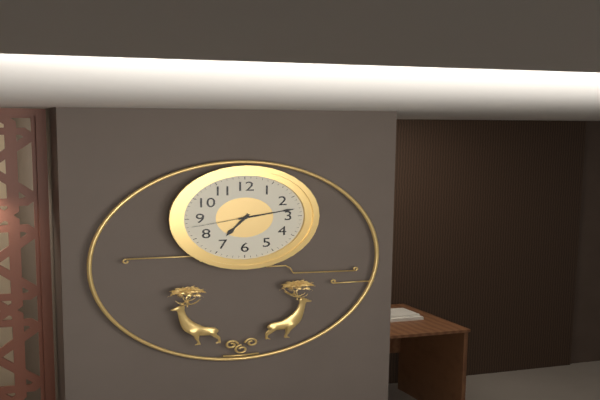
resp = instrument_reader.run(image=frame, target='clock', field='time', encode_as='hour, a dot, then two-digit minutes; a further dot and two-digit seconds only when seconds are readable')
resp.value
7.13.43
